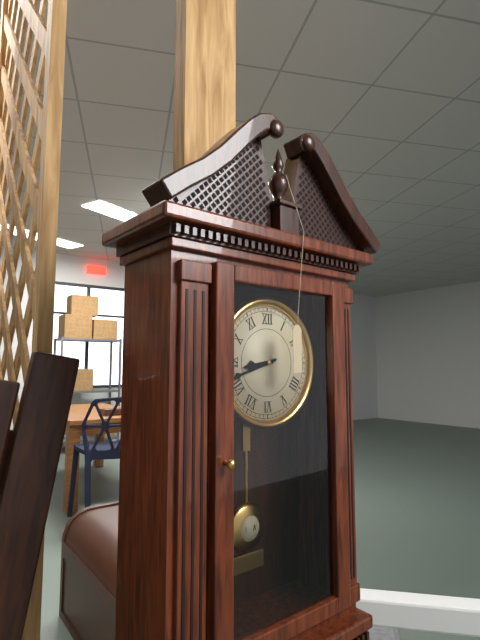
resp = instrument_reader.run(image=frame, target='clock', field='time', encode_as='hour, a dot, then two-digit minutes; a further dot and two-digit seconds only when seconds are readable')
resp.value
8.42
